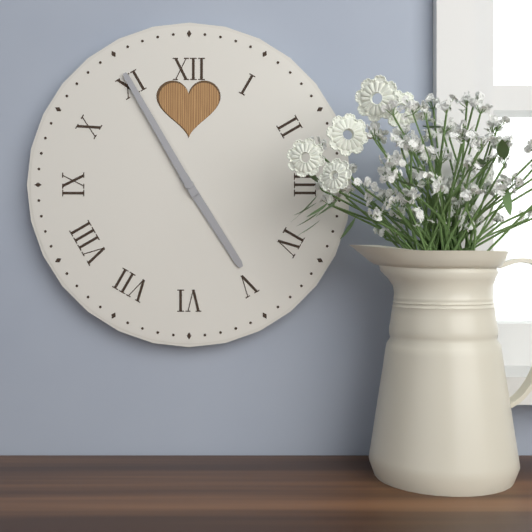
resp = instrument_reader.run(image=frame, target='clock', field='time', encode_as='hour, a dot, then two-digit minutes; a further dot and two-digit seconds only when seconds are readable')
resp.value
4.55
